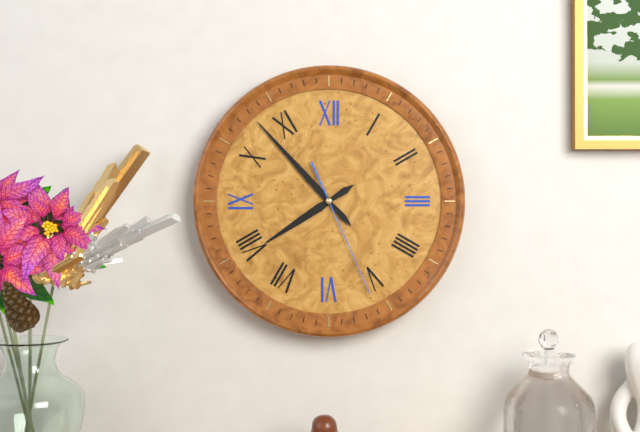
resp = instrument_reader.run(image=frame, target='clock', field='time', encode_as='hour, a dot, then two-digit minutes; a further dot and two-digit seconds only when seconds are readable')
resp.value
7.53.26
